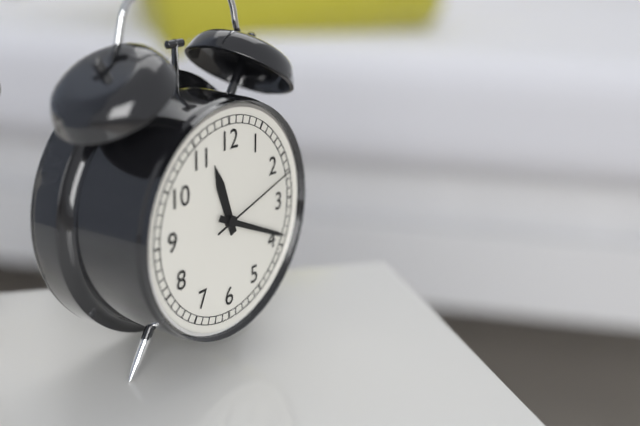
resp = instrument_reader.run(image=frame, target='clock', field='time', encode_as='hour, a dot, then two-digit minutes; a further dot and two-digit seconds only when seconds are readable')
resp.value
11.19.12
